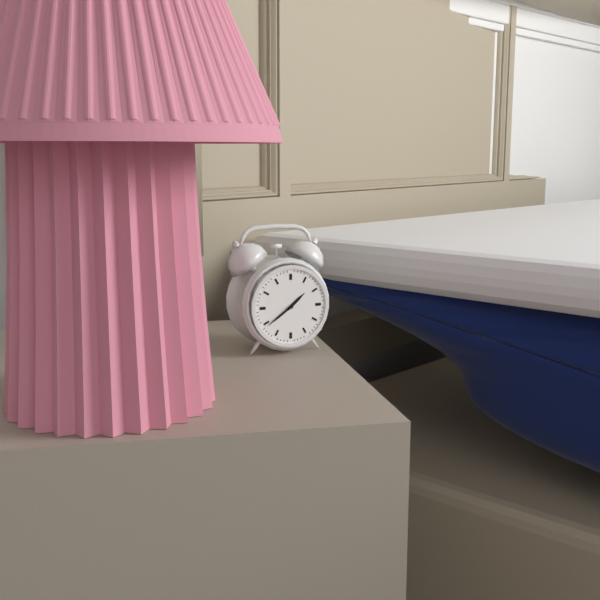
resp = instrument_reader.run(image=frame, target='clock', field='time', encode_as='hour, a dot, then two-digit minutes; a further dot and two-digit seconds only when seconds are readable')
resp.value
1.39
